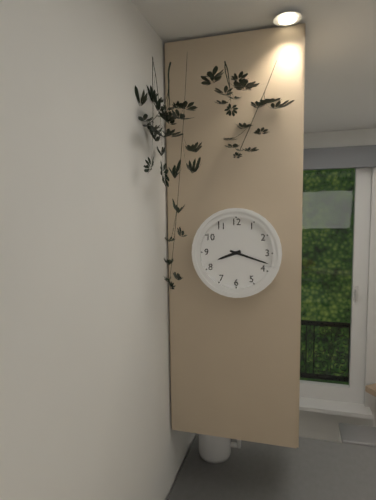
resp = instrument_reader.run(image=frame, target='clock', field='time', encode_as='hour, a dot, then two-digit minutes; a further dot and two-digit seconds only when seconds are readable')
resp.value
8.18
